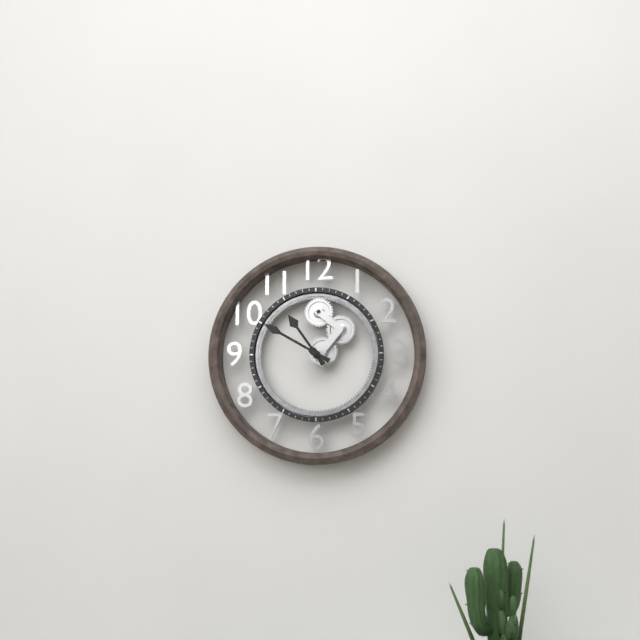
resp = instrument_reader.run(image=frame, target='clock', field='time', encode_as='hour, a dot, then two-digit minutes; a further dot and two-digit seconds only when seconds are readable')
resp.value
10.50
